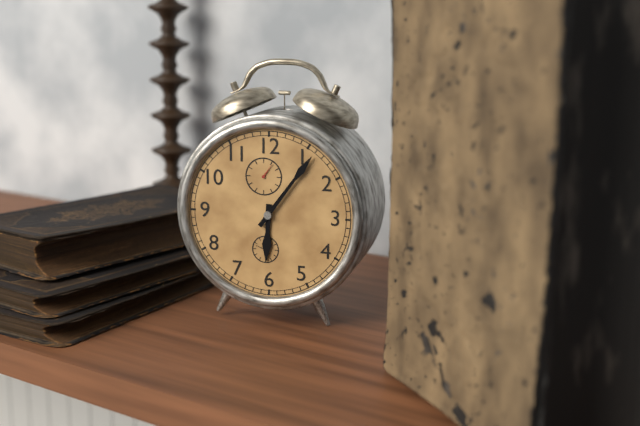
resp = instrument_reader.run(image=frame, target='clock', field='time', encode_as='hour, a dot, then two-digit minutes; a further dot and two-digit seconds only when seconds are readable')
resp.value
6.06
